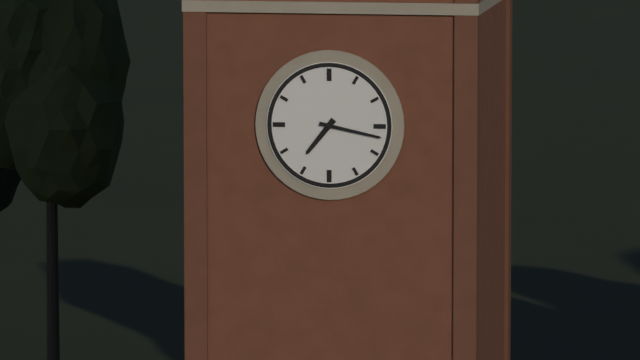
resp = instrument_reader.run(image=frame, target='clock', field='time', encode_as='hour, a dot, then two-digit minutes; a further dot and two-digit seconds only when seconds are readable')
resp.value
7.17
